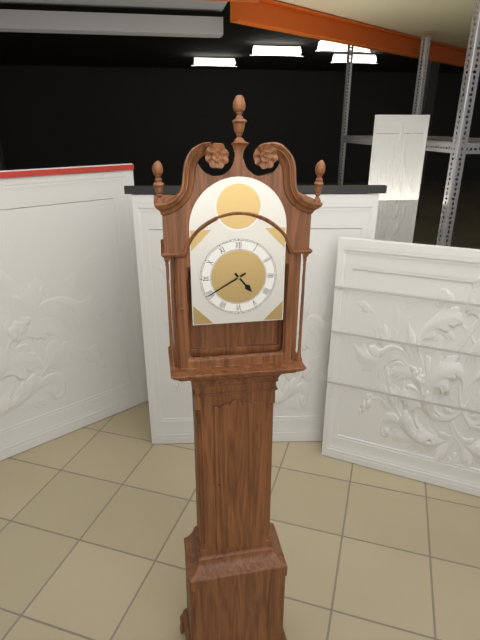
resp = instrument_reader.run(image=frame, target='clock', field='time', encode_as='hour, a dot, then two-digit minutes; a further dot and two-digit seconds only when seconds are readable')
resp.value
4.40
